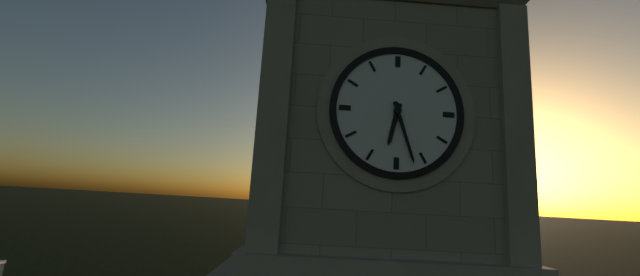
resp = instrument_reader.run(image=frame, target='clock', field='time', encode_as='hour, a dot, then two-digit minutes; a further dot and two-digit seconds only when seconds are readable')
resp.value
6.27
